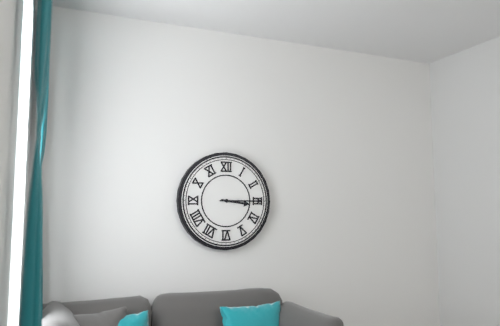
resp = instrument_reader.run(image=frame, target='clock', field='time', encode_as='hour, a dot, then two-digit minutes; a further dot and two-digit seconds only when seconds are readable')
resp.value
3.15
